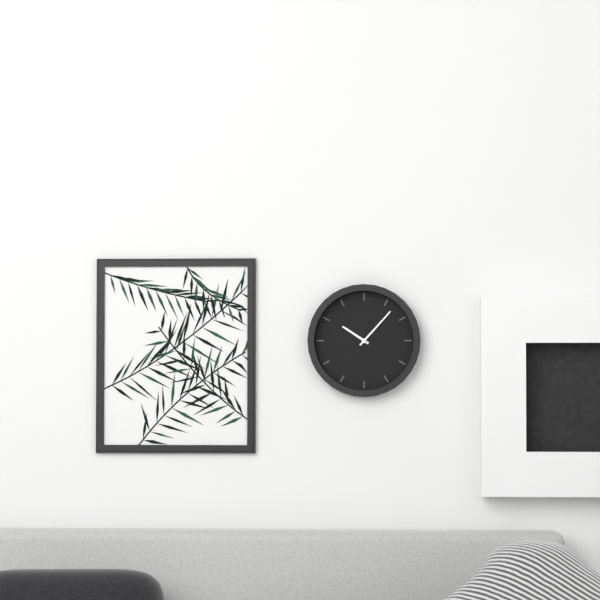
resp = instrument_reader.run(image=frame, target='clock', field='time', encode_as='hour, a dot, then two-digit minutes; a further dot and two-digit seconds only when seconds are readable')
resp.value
10.07
